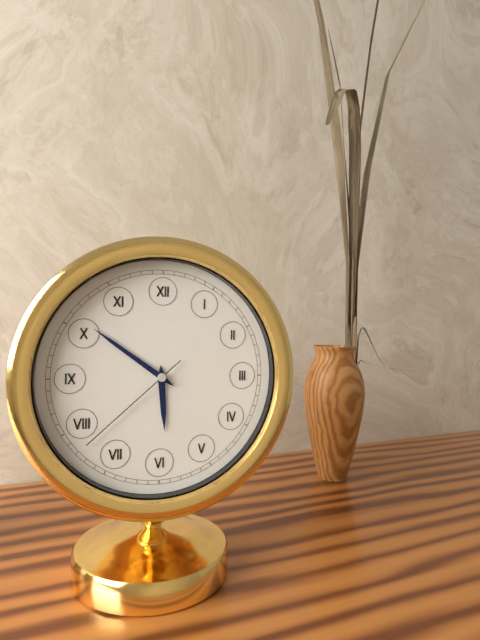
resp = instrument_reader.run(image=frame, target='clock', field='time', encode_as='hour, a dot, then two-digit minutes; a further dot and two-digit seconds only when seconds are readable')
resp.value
5.51.38
